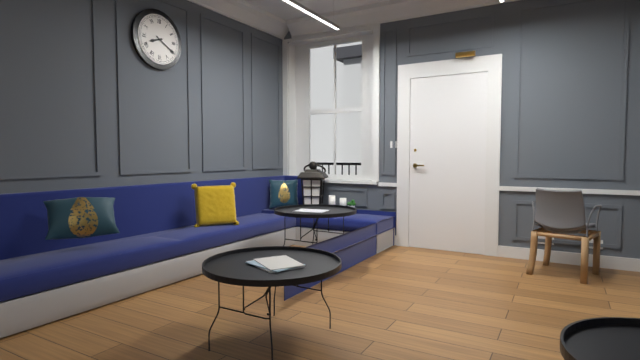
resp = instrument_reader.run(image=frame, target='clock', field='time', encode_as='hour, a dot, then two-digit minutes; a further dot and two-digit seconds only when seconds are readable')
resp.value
8.20
